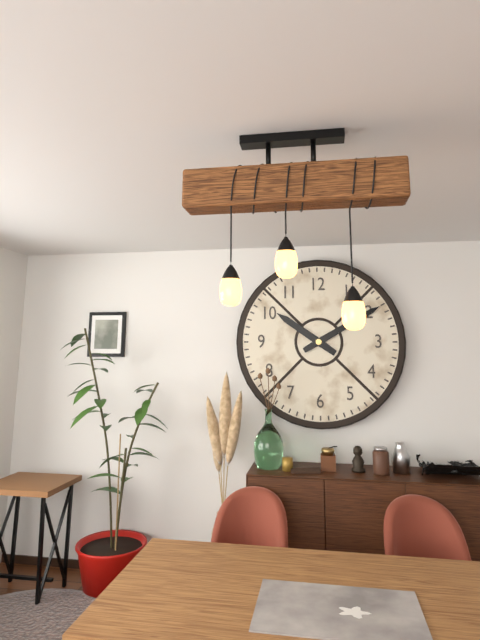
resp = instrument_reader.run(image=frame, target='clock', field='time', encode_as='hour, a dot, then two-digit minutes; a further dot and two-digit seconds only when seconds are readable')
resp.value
10.10
